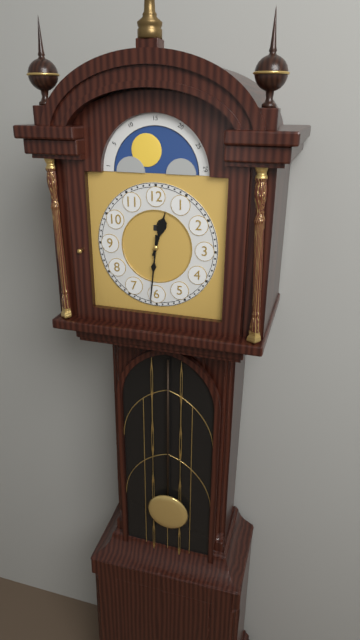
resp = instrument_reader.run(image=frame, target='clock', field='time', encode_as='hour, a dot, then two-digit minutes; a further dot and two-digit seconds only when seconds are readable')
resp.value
12.31
